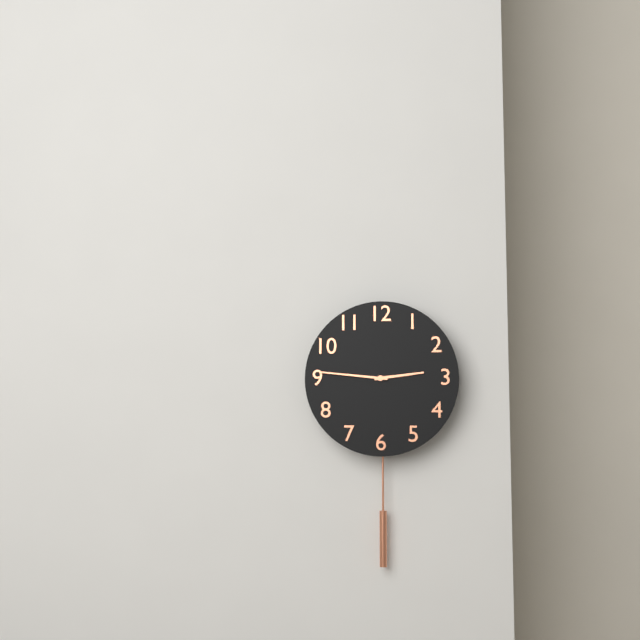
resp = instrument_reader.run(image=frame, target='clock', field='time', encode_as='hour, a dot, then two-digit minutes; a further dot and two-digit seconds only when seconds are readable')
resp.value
2.46
